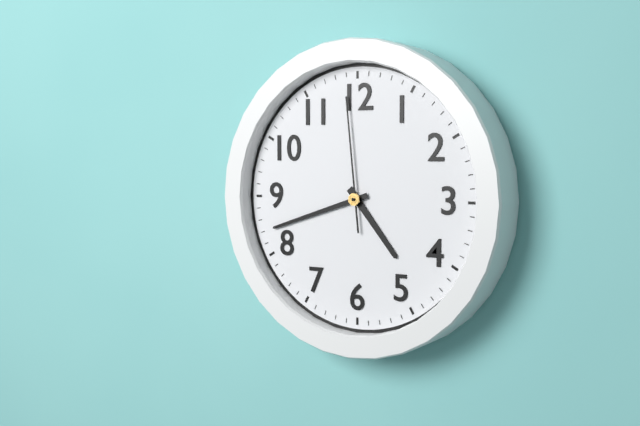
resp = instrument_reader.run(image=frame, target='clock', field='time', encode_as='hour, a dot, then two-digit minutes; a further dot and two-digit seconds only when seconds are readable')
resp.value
4.42.59
